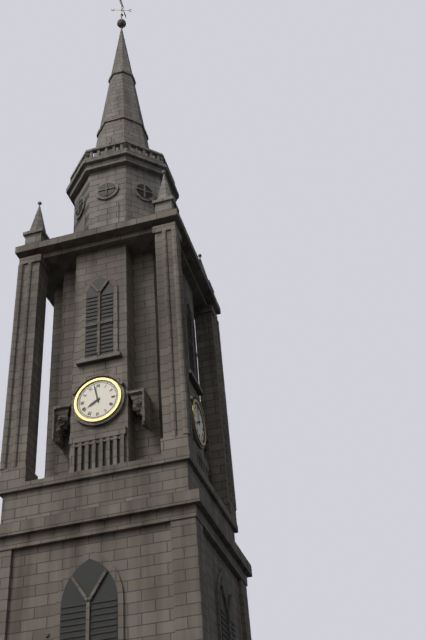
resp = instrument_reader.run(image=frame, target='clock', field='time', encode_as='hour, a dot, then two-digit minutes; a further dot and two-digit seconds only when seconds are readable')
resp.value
7.58
